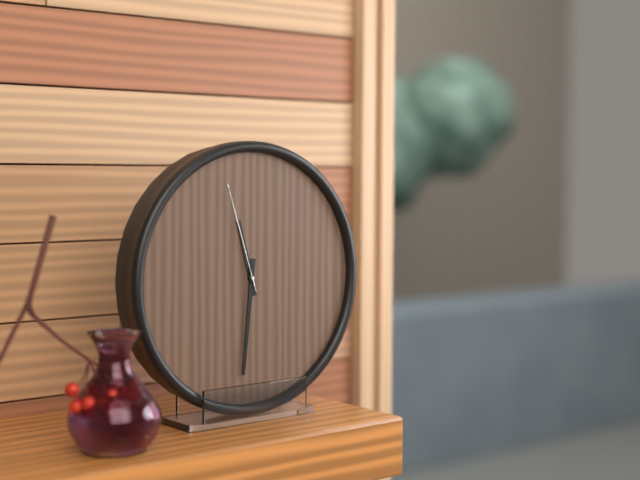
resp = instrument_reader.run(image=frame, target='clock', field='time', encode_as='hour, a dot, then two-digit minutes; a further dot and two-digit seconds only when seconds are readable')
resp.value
11.31.57
